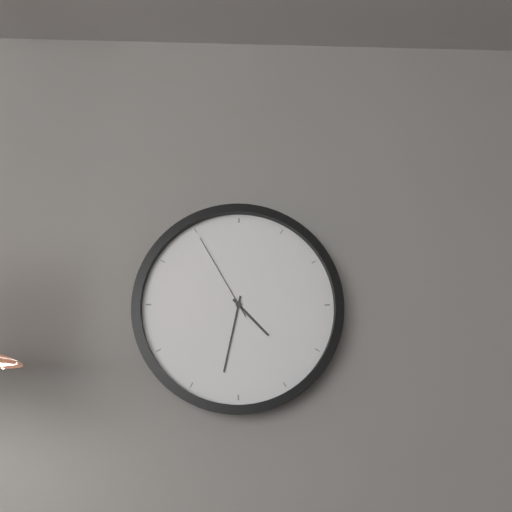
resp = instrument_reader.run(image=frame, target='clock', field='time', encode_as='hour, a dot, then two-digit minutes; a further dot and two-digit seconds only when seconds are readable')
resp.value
4.32.55
